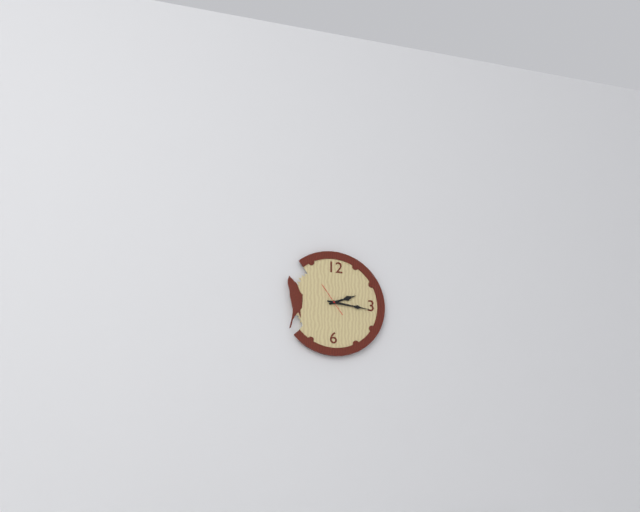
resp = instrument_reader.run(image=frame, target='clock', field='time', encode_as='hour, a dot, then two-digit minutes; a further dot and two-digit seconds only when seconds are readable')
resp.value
2.16
